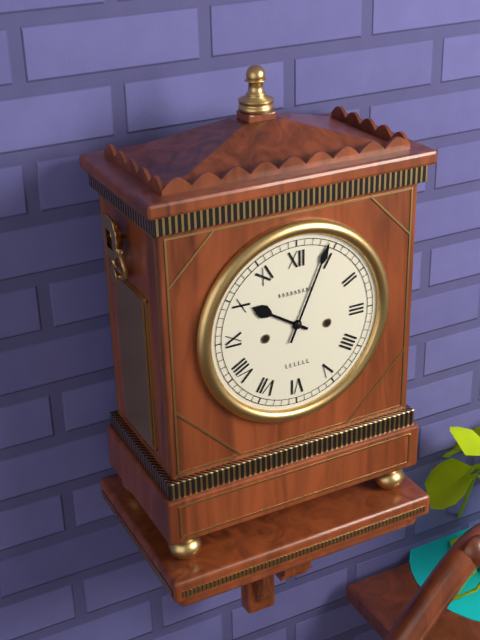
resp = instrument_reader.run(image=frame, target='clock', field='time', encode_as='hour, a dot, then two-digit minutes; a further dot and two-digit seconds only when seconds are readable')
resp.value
10.04
